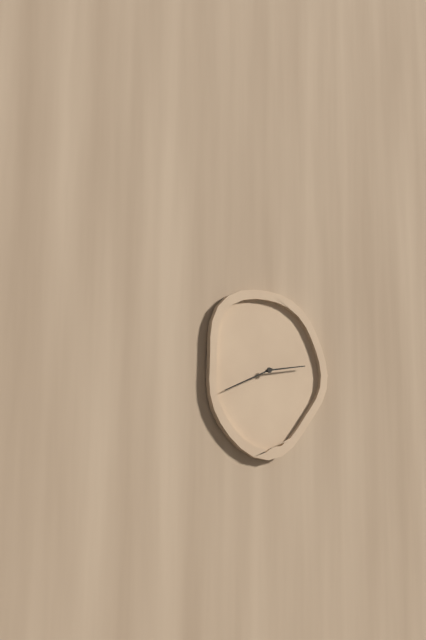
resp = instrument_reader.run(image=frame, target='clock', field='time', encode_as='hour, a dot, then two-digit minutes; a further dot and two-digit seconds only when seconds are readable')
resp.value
2.41
